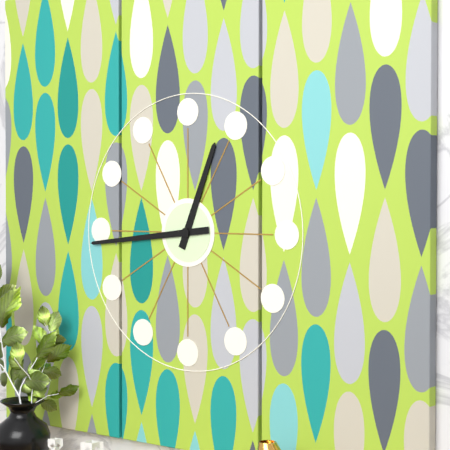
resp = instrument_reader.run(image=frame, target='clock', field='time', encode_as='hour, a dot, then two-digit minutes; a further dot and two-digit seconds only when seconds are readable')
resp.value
12.44
